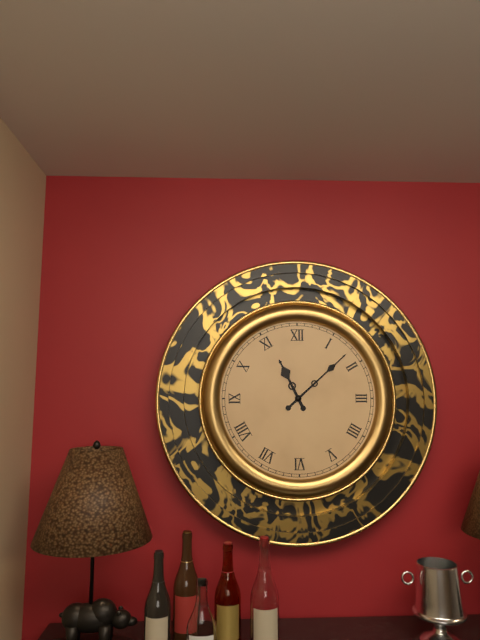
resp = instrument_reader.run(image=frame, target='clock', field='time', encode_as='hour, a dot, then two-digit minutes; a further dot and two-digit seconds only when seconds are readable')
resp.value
11.08
